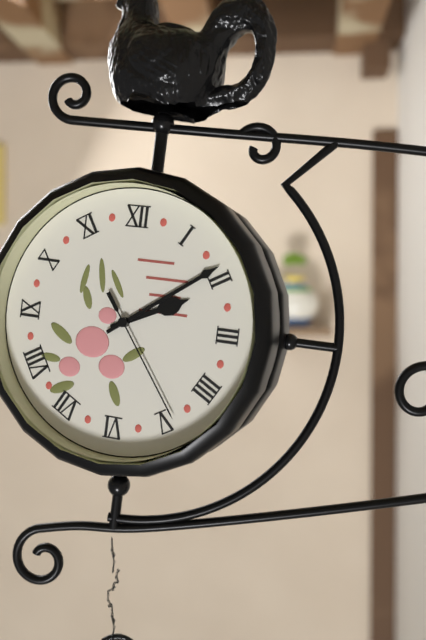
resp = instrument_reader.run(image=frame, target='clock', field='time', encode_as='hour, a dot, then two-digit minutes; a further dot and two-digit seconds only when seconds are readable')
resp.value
2.09.24
